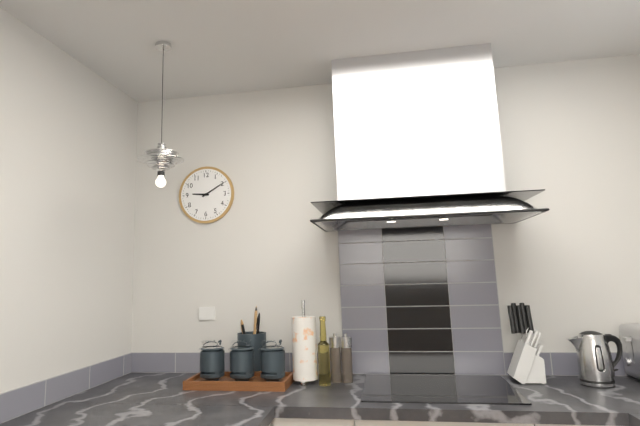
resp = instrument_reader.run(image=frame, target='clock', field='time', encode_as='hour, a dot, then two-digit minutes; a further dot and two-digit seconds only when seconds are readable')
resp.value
9.10
